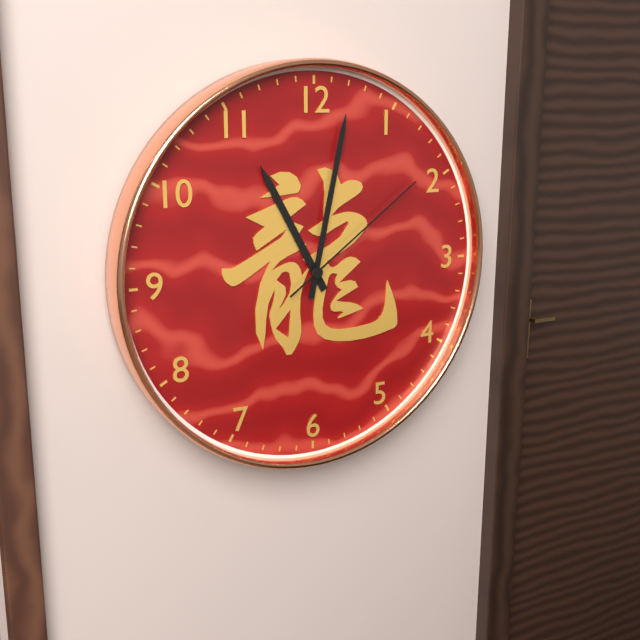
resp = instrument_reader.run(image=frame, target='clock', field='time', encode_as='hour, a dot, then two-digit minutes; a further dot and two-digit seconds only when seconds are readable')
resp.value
11.02.09
